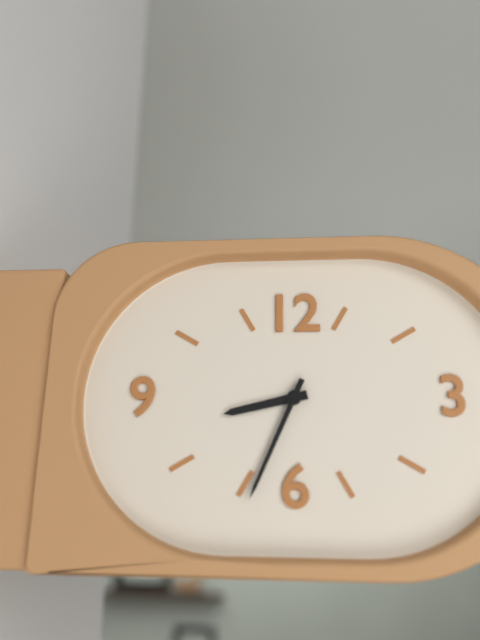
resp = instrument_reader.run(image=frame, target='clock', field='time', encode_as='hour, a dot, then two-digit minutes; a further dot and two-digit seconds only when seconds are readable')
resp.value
8.34
